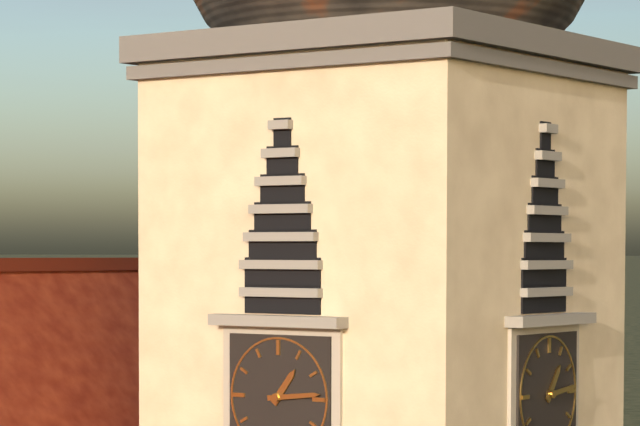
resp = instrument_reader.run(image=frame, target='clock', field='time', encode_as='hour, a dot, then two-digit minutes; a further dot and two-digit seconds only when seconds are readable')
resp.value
1.14
